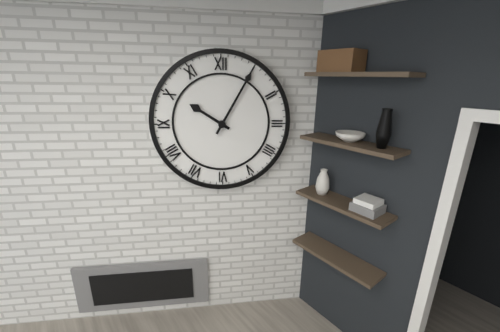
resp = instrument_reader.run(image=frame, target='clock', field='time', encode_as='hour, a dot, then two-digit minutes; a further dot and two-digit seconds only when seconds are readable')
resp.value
10.05
